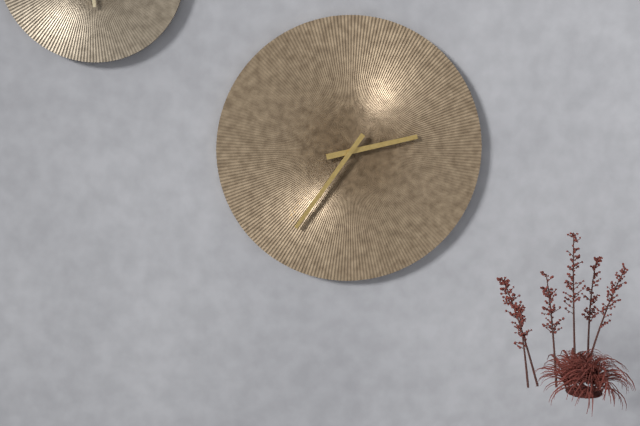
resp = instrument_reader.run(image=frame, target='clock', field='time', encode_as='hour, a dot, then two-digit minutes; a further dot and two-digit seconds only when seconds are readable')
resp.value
2.36
